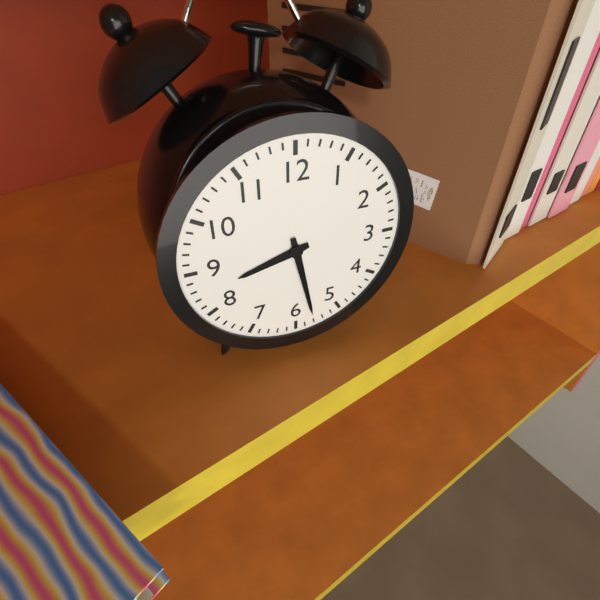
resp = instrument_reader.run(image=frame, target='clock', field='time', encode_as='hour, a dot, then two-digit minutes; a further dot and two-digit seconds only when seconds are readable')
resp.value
8.28
